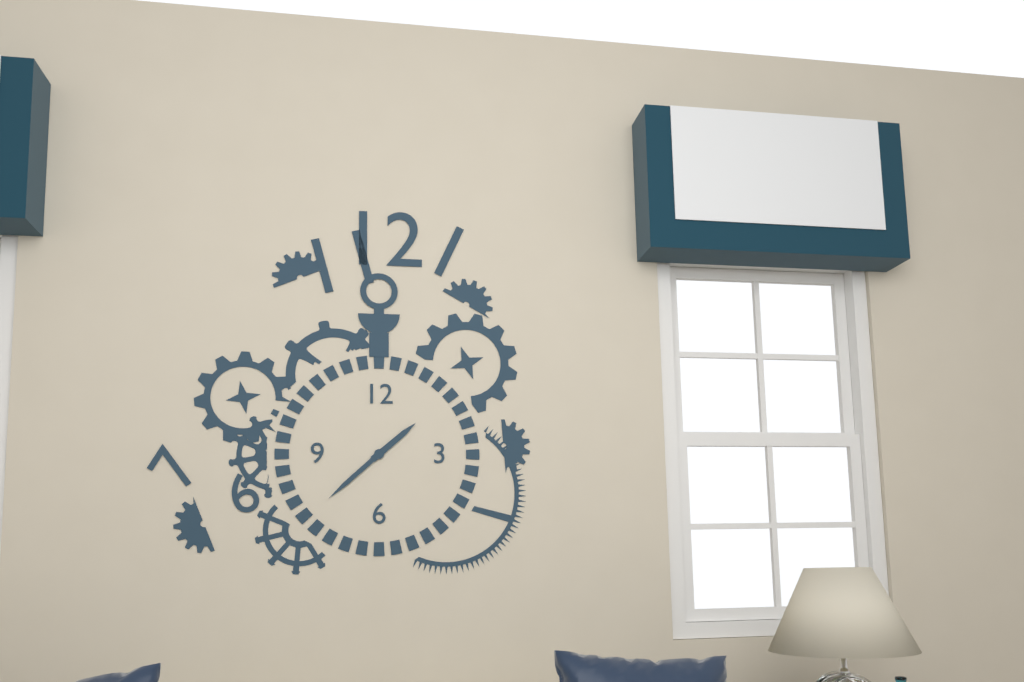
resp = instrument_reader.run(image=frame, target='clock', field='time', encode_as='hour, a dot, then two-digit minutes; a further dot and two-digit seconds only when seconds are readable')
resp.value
1.38
